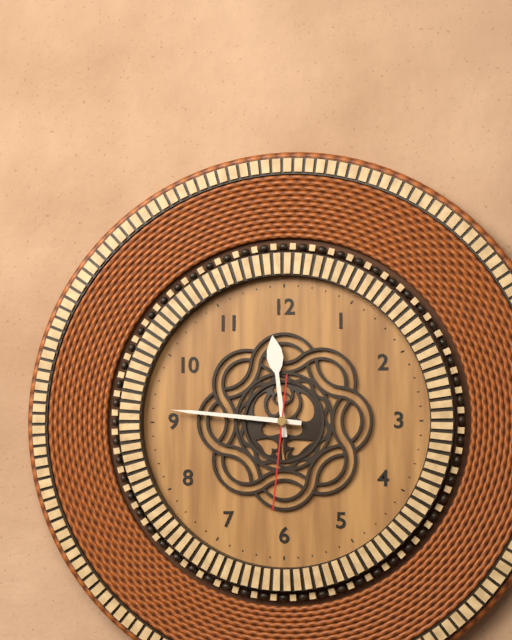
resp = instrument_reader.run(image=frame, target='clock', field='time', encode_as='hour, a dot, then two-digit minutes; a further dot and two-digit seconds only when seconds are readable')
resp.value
11.46.31
